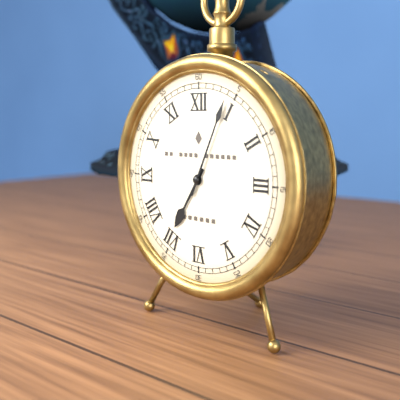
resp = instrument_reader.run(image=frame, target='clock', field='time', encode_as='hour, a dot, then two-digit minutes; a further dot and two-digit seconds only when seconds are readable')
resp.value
7.04
